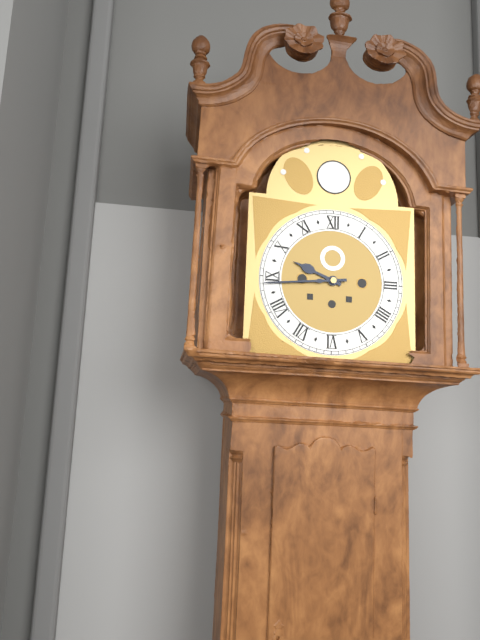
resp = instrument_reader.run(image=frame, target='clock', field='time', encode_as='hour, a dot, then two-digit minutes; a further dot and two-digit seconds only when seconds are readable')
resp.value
9.44
